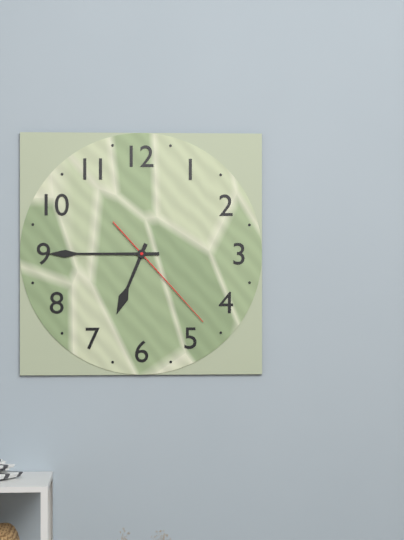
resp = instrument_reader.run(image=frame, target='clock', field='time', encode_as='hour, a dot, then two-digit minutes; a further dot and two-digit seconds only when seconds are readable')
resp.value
6.45.23
